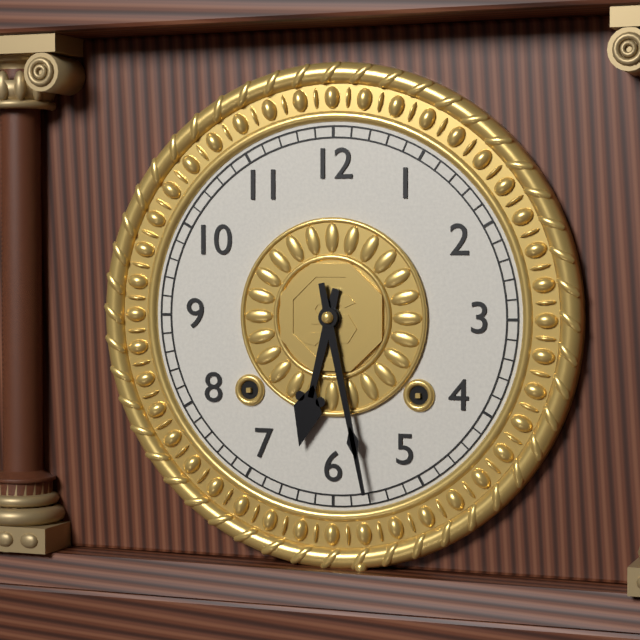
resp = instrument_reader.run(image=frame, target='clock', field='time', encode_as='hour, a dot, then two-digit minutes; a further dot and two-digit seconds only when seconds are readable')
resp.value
6.28
